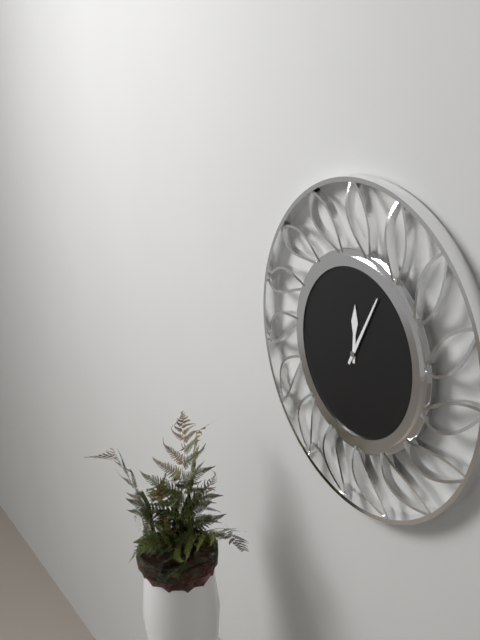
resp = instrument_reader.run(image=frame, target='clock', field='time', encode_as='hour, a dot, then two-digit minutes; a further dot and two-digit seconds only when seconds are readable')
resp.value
12.05
